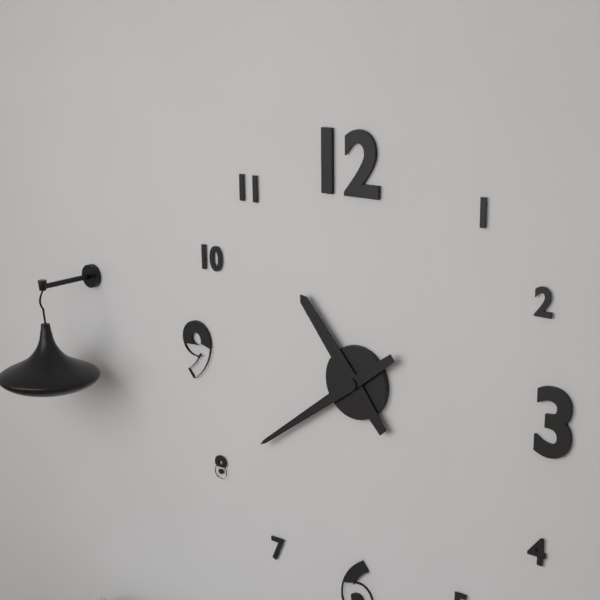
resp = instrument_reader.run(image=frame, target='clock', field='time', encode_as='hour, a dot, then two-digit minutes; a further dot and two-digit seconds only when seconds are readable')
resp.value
10.39
